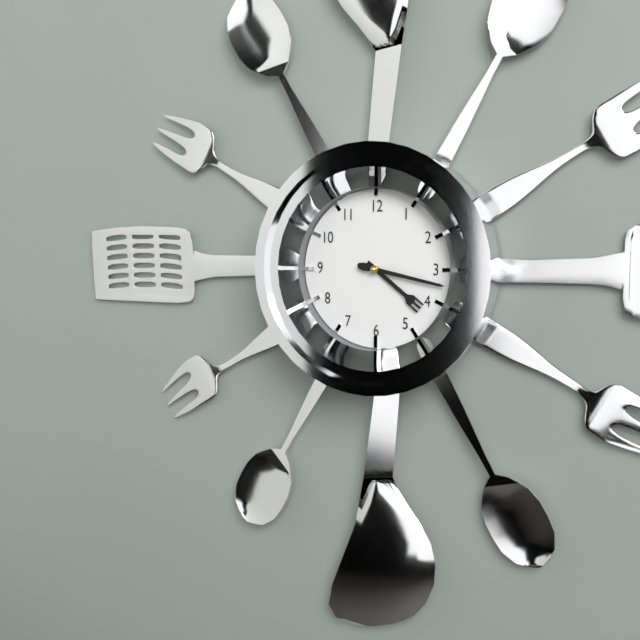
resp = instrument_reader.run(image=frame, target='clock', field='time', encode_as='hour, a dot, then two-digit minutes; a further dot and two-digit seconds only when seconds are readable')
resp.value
4.17
